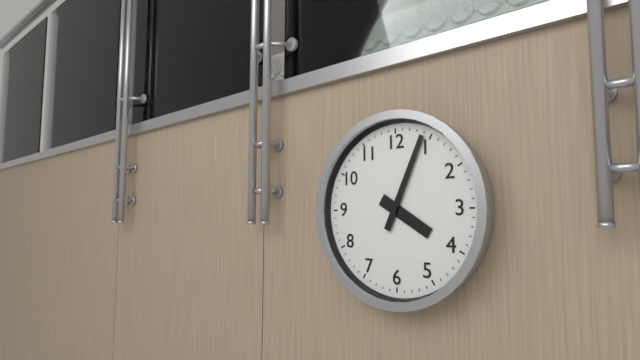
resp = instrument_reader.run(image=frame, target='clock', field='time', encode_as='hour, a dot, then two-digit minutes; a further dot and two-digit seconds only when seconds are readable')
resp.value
4.04
